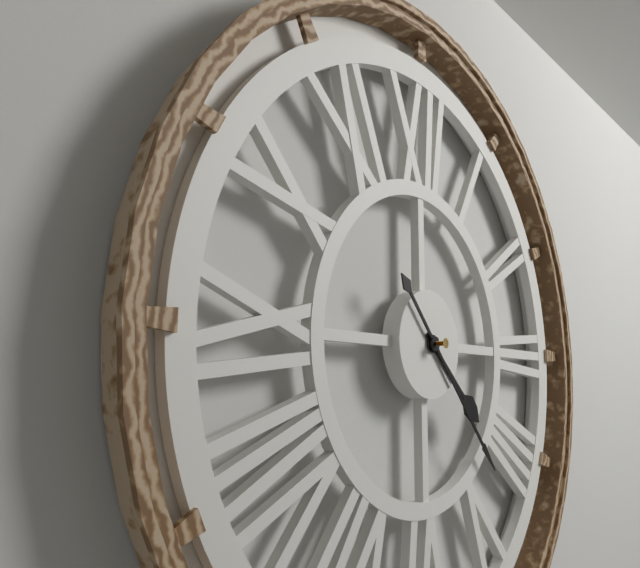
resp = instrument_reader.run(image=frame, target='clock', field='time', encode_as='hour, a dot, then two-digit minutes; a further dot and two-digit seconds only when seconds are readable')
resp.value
4.23
